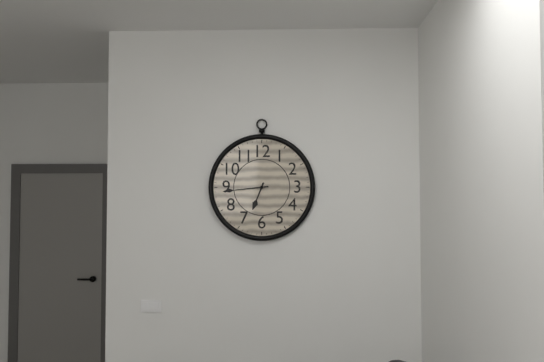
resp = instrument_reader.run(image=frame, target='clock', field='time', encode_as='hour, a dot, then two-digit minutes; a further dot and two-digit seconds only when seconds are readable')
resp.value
6.44
